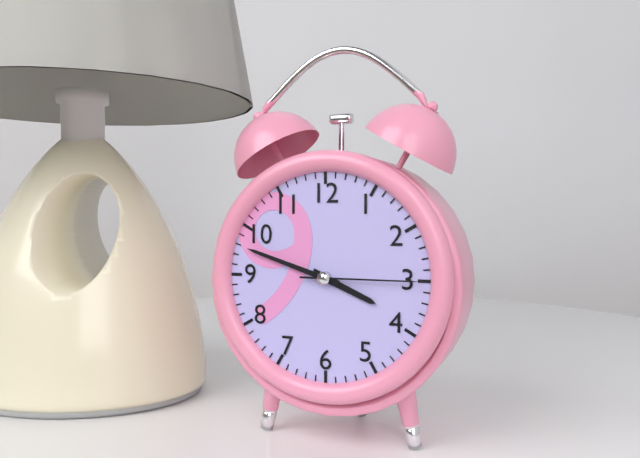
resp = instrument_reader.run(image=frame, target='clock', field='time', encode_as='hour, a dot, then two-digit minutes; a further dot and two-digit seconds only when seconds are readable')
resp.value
3.48.15
